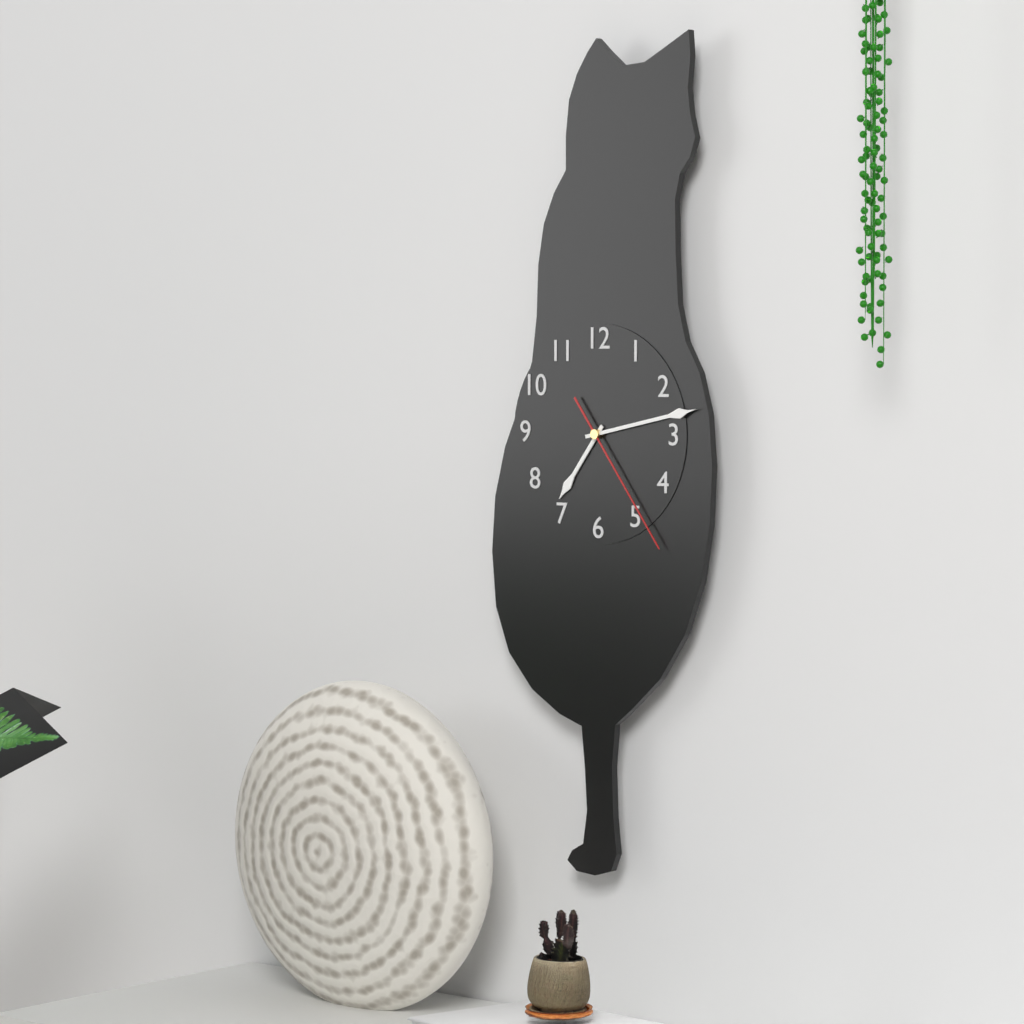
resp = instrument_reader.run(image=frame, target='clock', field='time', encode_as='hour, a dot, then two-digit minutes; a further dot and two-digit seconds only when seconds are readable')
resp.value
7.13.24
